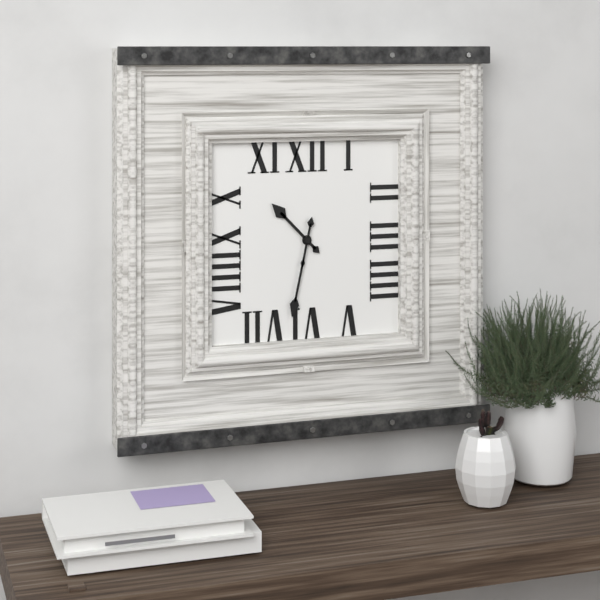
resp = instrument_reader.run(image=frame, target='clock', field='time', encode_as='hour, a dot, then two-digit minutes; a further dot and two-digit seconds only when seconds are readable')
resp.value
10.32
